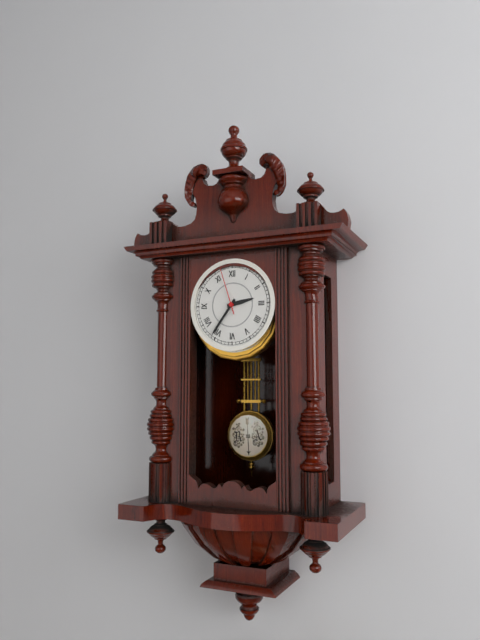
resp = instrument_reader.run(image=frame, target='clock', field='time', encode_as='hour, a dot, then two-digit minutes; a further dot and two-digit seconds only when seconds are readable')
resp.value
2.36
